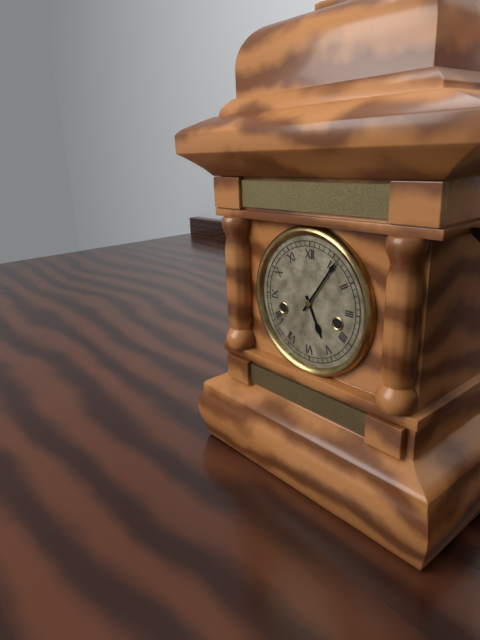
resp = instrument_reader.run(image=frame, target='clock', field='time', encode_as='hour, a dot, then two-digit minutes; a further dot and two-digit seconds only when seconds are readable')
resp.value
5.06
